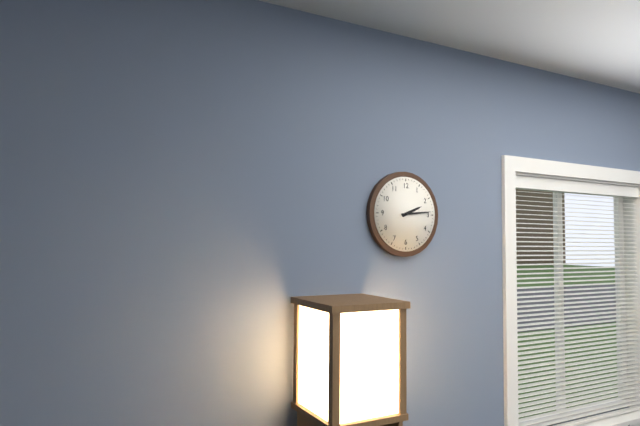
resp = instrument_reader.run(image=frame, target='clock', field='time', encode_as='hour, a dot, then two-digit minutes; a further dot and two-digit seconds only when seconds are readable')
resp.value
2.14
